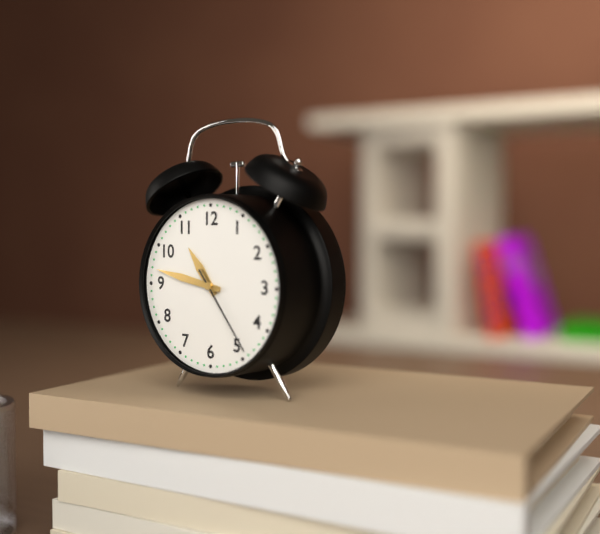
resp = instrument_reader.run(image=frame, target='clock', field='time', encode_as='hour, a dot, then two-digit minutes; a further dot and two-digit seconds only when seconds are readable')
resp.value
10.47.24
